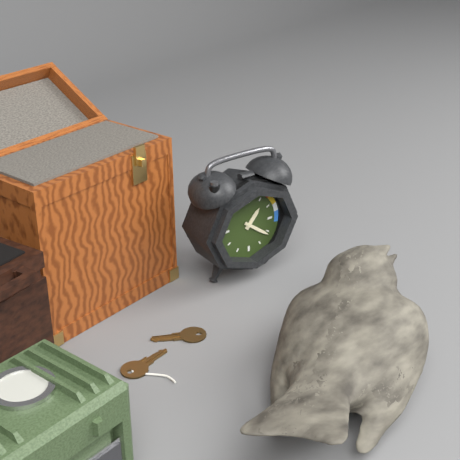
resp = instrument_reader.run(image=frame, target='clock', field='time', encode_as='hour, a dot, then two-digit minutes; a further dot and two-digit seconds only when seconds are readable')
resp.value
1.21
